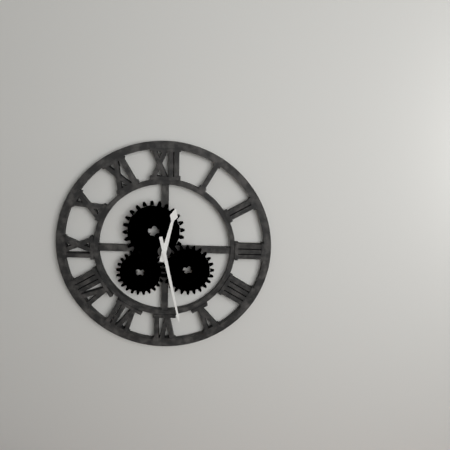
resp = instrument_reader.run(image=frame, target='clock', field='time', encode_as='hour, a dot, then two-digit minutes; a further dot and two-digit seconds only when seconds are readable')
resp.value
12.28
